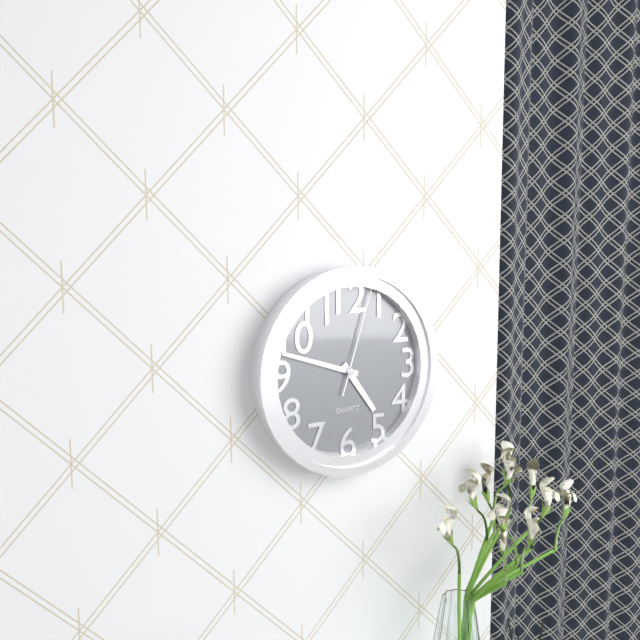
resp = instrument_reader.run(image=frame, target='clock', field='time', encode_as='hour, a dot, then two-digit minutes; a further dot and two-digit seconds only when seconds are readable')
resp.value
4.48.03
